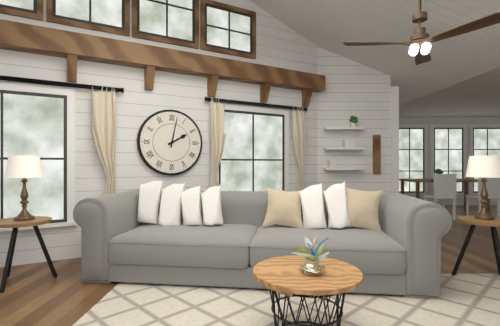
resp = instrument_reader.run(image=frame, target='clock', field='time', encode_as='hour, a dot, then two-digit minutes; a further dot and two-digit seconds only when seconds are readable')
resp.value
2.02
